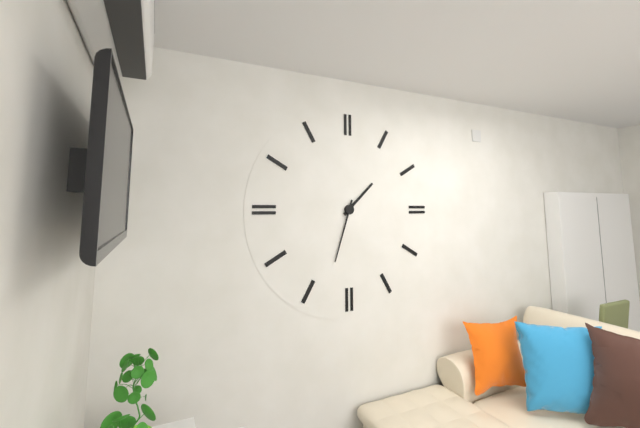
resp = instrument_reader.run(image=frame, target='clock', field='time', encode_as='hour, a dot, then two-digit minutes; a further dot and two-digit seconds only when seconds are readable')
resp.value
1.33
